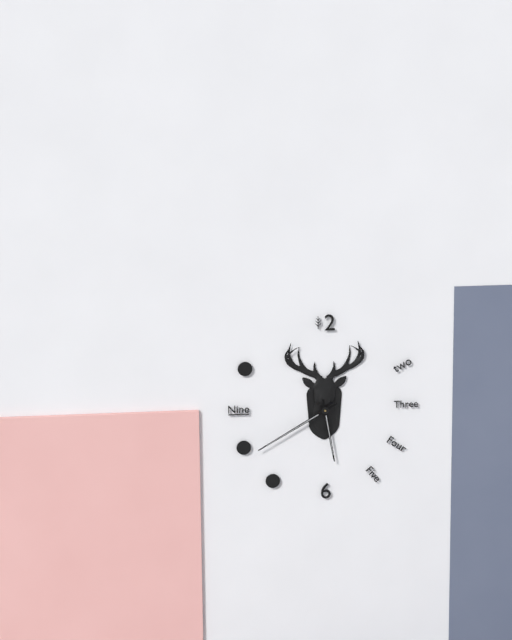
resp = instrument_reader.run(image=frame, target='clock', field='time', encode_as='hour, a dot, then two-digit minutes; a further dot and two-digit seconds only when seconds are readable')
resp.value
5.40
